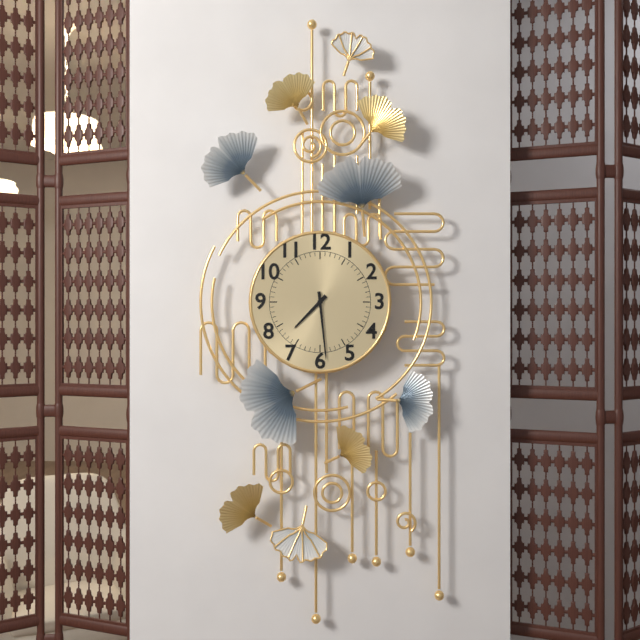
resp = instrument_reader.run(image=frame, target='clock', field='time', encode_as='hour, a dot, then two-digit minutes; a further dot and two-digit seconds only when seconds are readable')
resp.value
7.29
